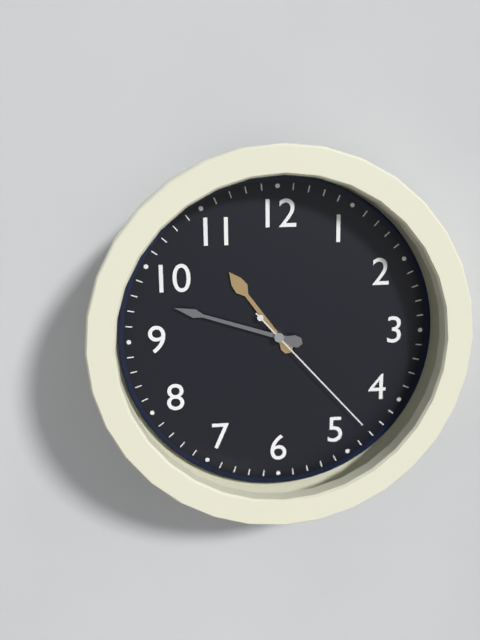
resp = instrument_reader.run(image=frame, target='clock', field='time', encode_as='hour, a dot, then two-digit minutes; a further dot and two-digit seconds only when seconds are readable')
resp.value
10.48.23
